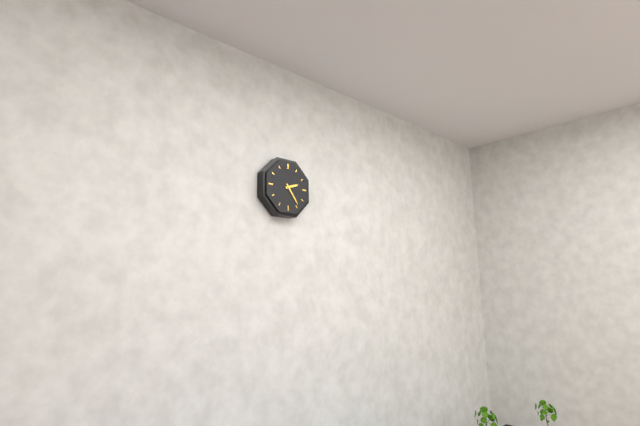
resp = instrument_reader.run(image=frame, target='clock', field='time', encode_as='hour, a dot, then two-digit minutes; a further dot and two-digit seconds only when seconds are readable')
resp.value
2.24
